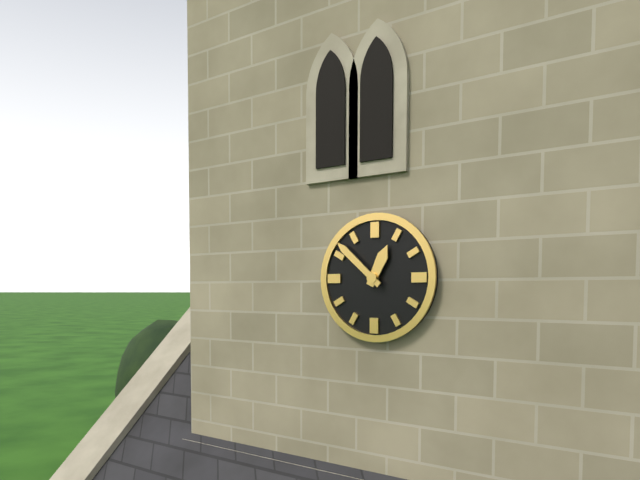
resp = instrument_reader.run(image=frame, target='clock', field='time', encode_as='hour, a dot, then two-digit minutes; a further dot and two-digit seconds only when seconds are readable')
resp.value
12.52
